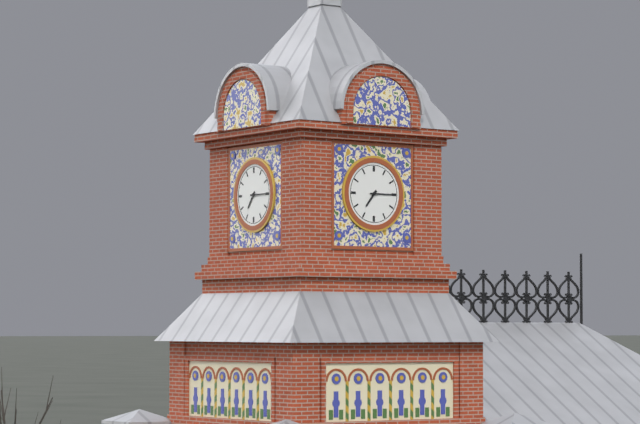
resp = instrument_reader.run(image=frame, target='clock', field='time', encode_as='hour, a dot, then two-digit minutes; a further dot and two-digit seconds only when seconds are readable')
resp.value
7.15
